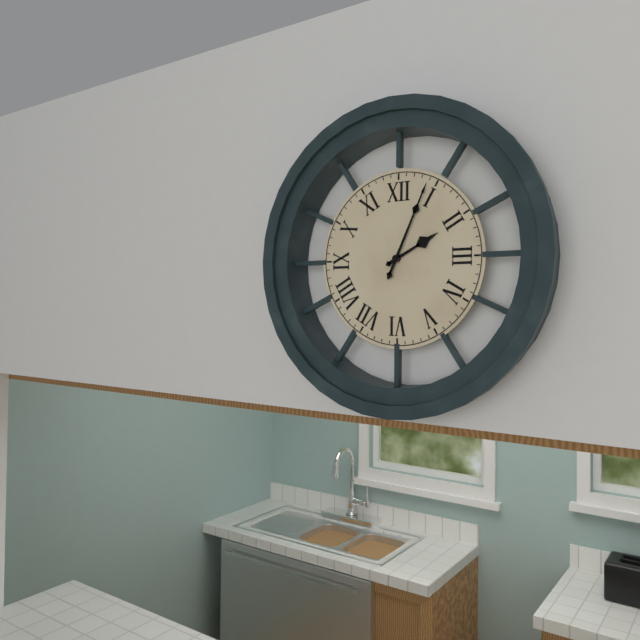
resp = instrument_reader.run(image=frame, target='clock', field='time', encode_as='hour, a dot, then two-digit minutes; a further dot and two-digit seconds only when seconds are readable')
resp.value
2.04
